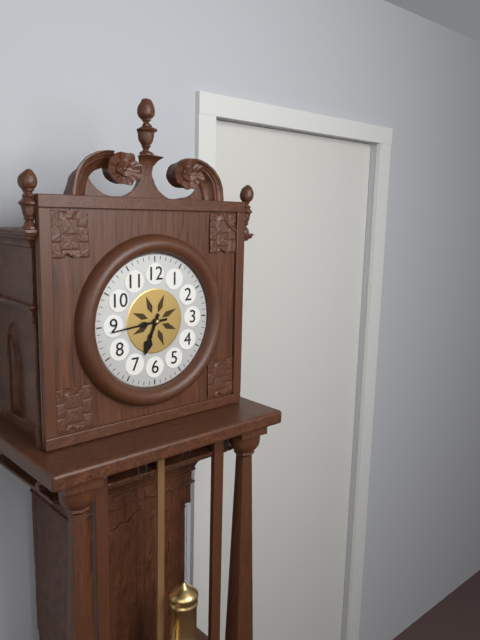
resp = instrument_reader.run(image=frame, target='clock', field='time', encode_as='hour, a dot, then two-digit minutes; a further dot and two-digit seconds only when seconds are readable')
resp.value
6.44
